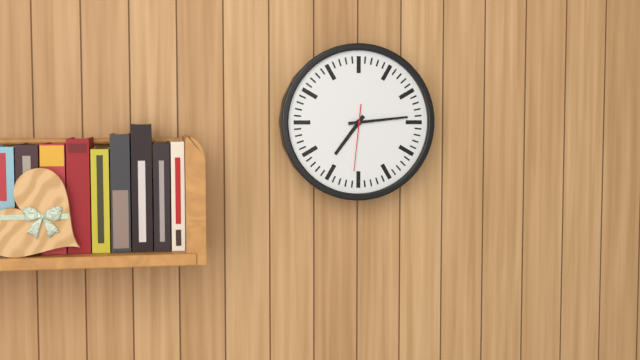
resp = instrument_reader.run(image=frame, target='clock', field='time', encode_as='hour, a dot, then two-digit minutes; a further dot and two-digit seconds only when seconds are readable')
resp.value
7.14.31
